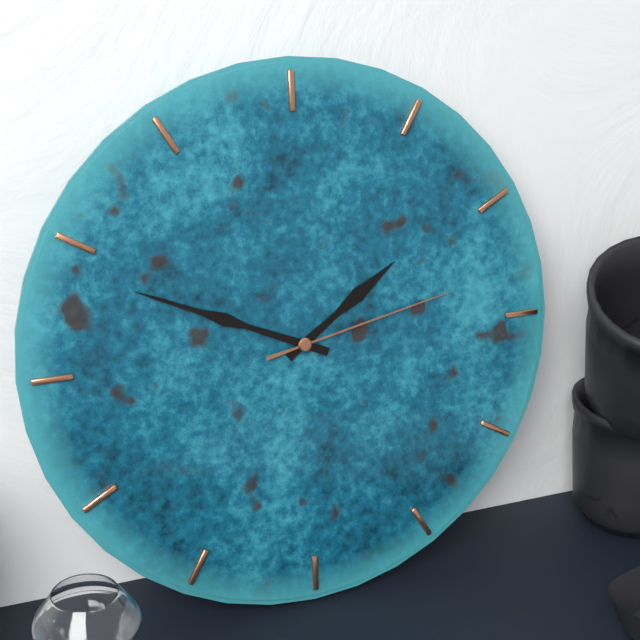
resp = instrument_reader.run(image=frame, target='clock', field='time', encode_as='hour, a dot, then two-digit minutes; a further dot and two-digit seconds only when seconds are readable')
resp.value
1.49.13
